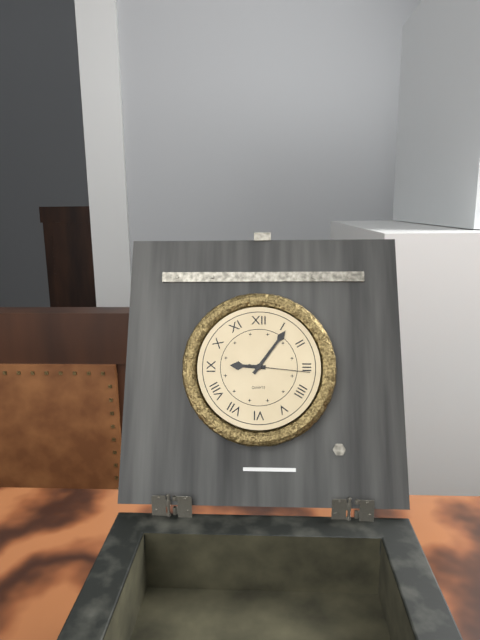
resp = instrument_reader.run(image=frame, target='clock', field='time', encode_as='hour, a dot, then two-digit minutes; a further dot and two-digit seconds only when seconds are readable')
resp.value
9.06.16
